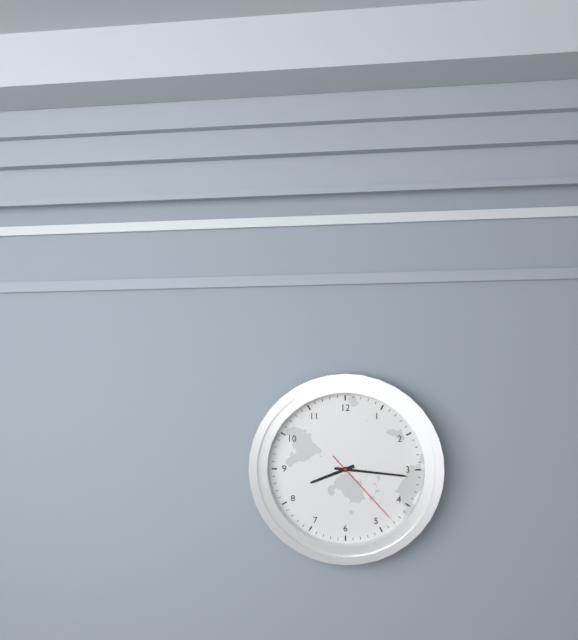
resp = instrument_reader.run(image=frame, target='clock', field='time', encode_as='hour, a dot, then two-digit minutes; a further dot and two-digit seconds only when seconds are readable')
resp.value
8.16.23
